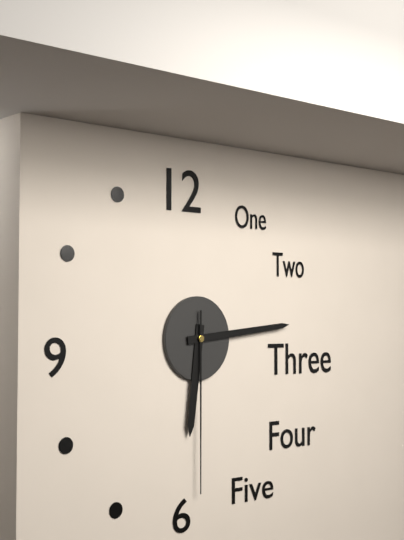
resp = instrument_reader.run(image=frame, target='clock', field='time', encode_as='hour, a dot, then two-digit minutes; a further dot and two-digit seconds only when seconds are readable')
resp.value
6.14.30
